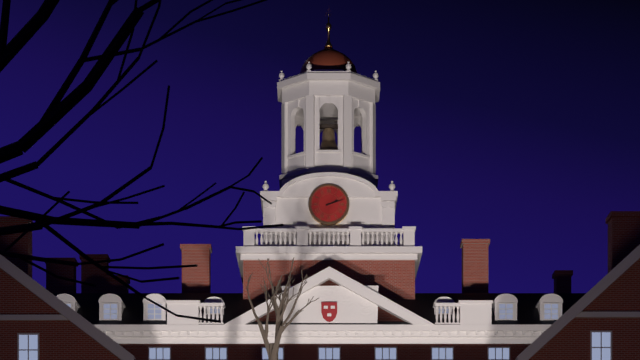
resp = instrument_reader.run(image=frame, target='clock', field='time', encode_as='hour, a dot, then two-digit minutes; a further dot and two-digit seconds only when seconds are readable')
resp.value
2.12
